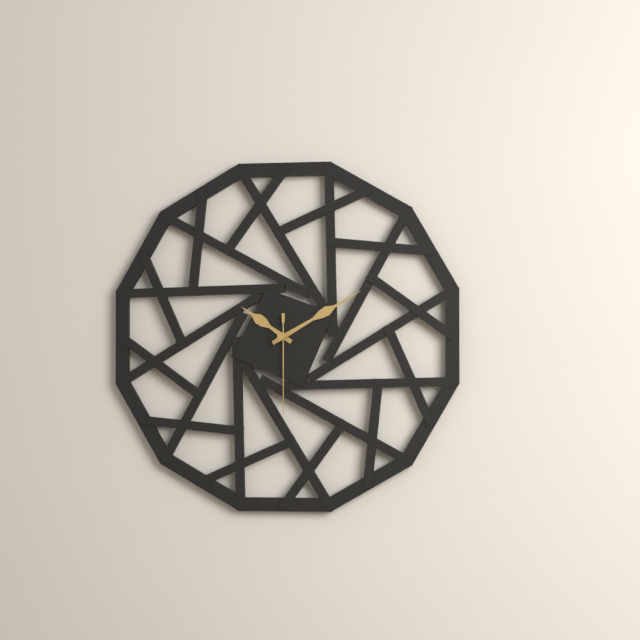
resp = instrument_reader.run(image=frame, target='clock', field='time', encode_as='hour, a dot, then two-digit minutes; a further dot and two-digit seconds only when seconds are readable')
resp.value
10.10.30
